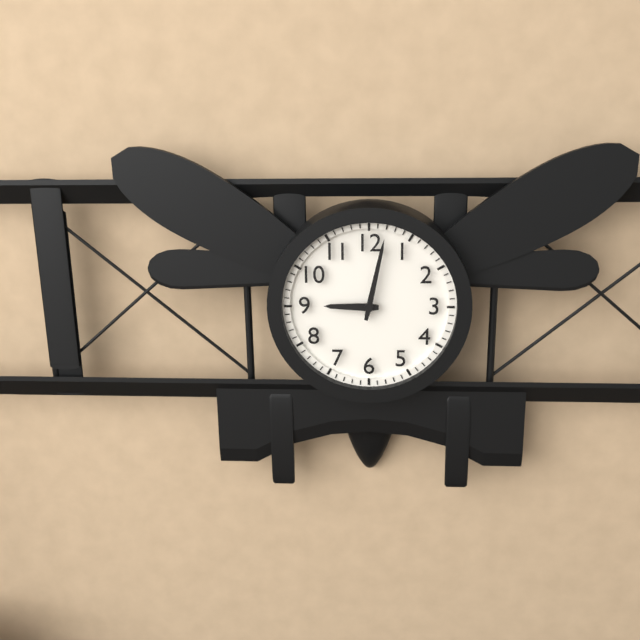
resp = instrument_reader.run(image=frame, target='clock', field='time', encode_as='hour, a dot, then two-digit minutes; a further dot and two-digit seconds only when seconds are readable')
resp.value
9.02
